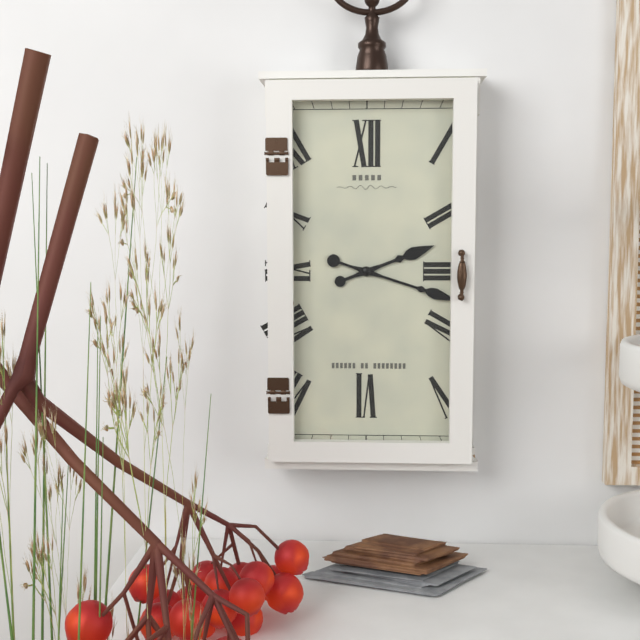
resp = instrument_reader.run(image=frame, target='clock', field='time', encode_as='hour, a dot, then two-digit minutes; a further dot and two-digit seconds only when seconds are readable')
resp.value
2.18
